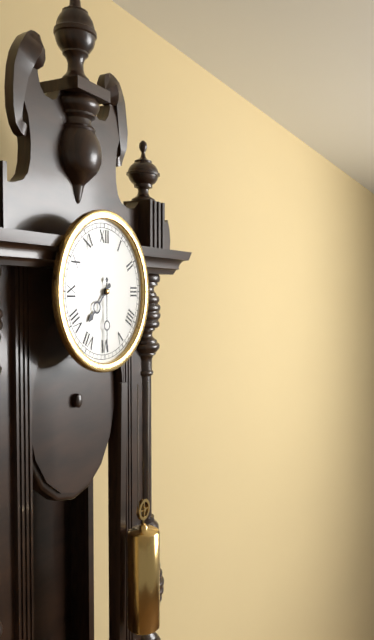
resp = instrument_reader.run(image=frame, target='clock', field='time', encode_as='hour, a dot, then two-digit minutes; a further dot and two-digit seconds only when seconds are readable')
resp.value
7.30
